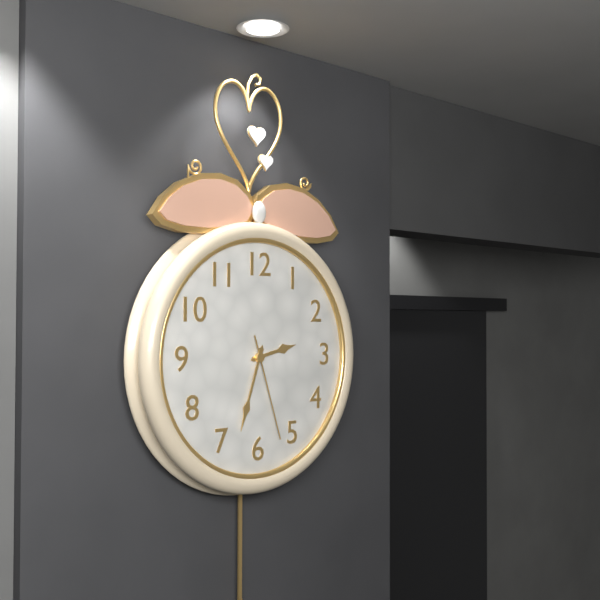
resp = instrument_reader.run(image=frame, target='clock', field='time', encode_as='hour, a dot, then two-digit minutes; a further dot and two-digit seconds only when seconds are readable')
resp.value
2.33.27
